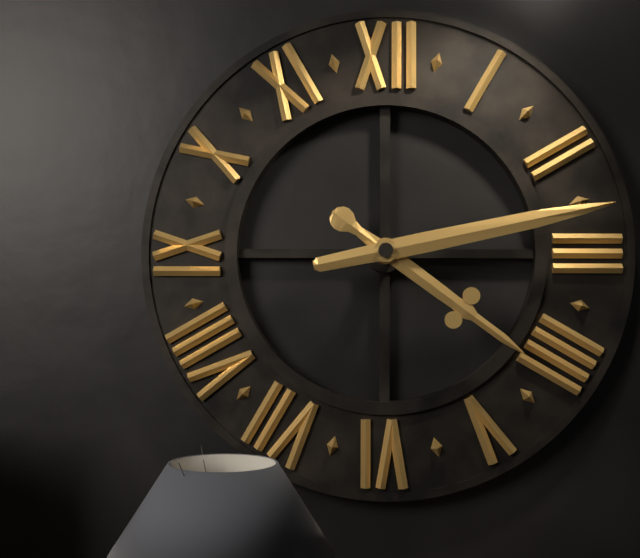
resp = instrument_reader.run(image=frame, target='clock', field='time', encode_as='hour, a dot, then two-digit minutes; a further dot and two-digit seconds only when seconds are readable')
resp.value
4.13
